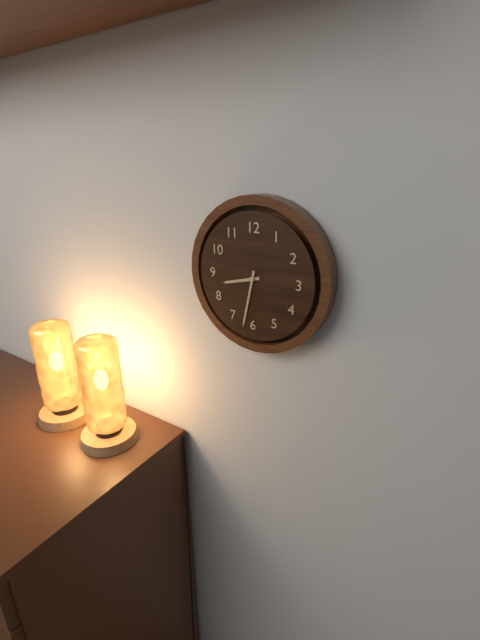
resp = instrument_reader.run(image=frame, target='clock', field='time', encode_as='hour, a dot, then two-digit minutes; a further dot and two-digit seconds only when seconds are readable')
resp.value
8.32
